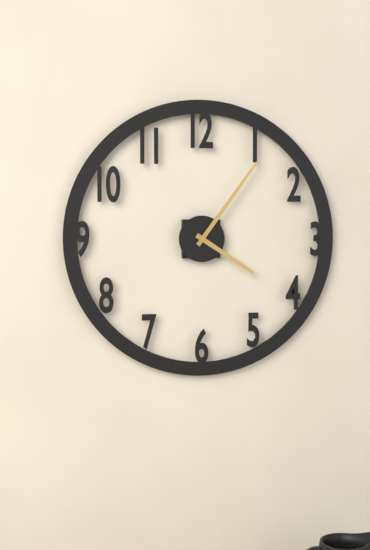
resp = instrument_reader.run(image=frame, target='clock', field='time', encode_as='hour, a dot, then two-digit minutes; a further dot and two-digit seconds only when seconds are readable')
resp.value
4.06
